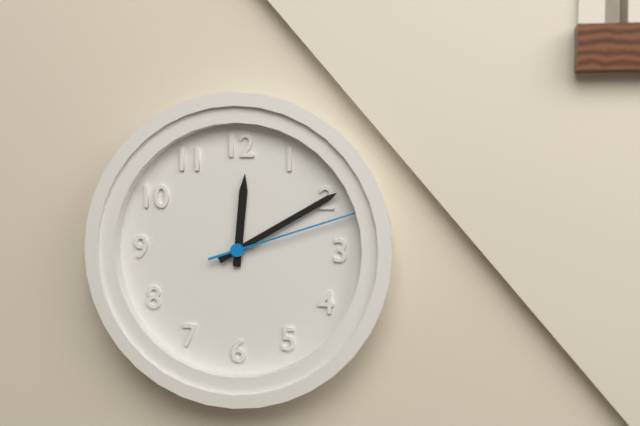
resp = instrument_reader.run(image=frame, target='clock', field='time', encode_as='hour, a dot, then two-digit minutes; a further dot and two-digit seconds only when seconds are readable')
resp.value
12.10.12
